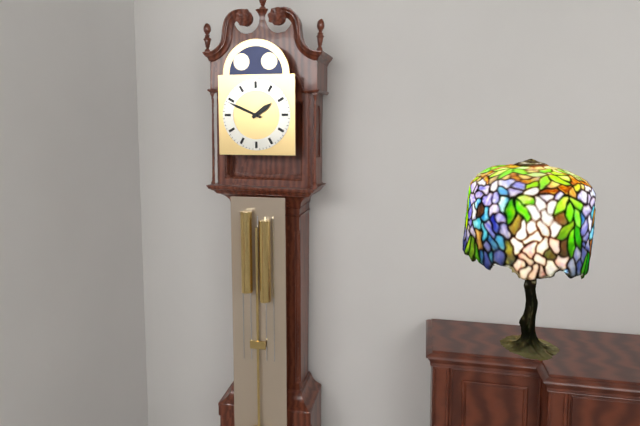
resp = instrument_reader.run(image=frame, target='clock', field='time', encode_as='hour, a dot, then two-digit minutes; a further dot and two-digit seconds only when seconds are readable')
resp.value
1.49
